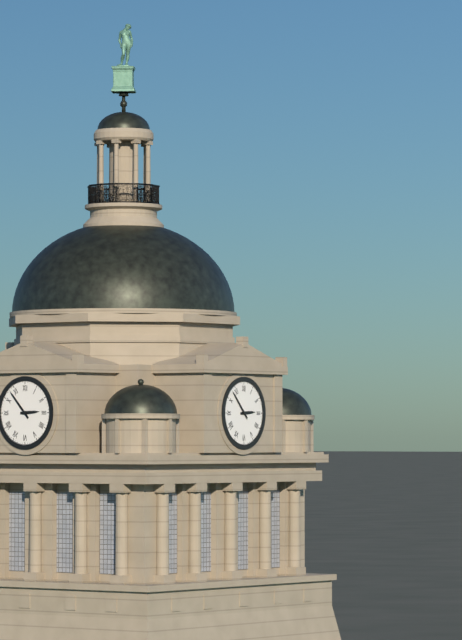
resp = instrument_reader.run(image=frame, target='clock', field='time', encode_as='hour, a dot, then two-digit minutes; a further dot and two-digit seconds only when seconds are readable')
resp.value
2.53
